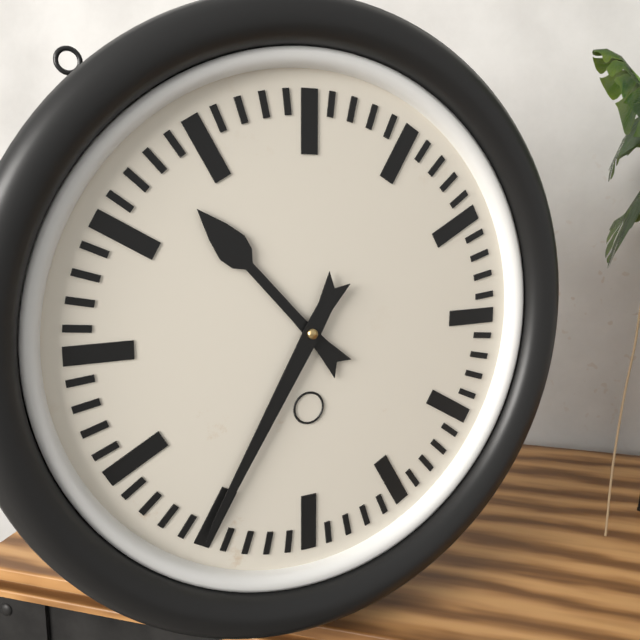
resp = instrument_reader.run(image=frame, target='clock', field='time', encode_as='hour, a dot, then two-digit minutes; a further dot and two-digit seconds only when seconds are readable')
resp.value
10.35
